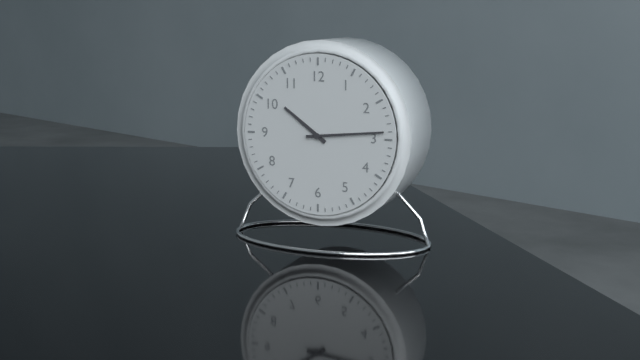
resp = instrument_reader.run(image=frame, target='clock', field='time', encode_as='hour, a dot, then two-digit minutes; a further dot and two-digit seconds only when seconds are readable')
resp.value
10.14
